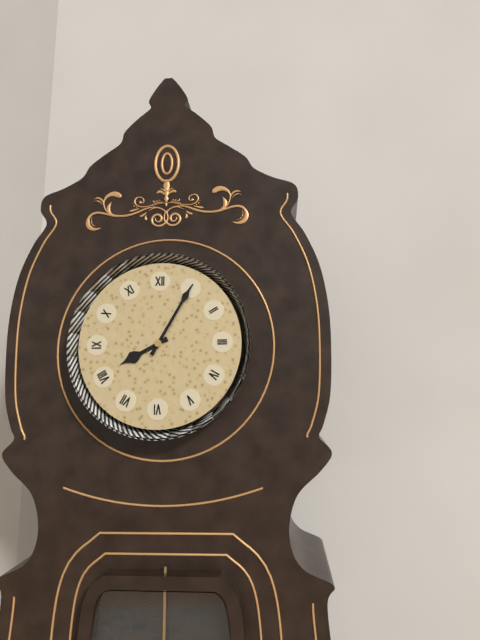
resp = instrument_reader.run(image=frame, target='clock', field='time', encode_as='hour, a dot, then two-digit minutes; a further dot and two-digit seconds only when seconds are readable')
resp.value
8.05
